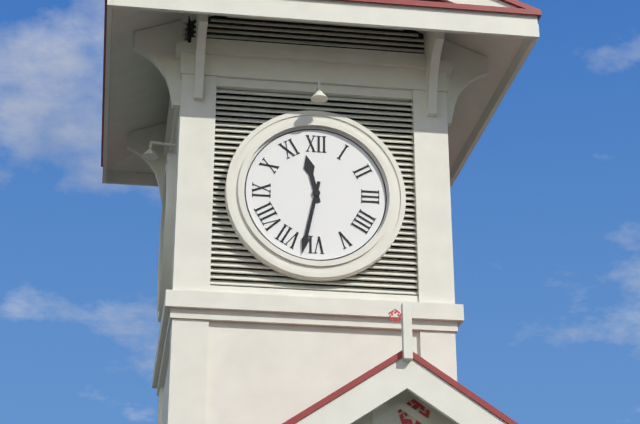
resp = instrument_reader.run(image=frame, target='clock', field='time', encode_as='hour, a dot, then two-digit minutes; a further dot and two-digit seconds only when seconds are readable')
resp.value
11.32
